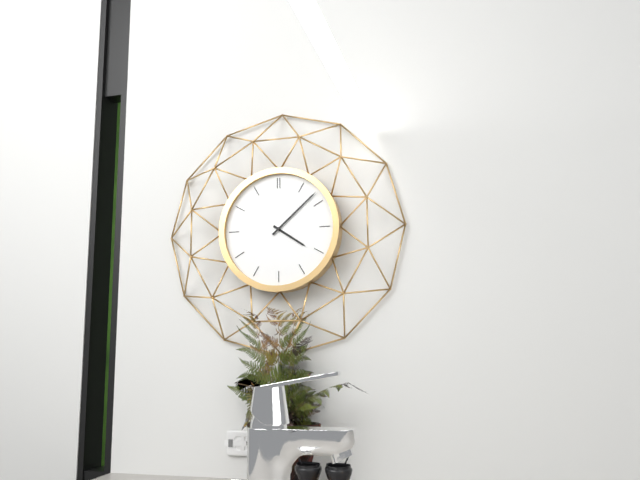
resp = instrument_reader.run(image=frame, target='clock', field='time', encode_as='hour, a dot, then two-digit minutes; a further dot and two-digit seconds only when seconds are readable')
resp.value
4.08
